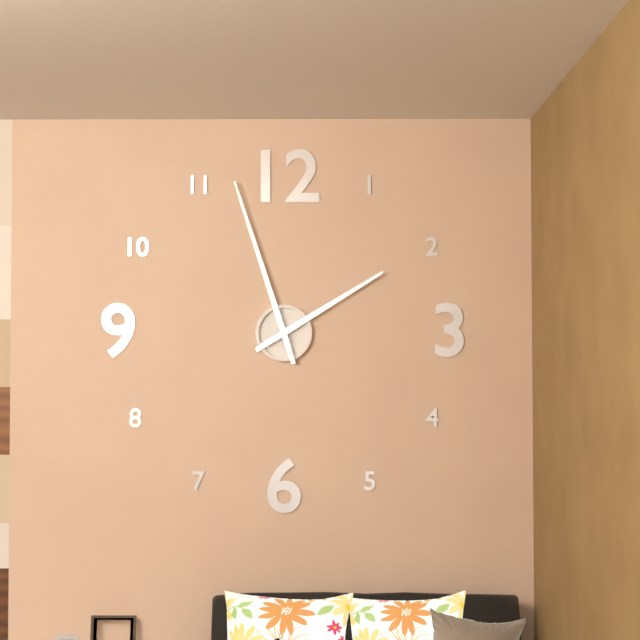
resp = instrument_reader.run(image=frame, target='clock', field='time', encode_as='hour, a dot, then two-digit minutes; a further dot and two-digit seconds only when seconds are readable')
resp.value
1.57
